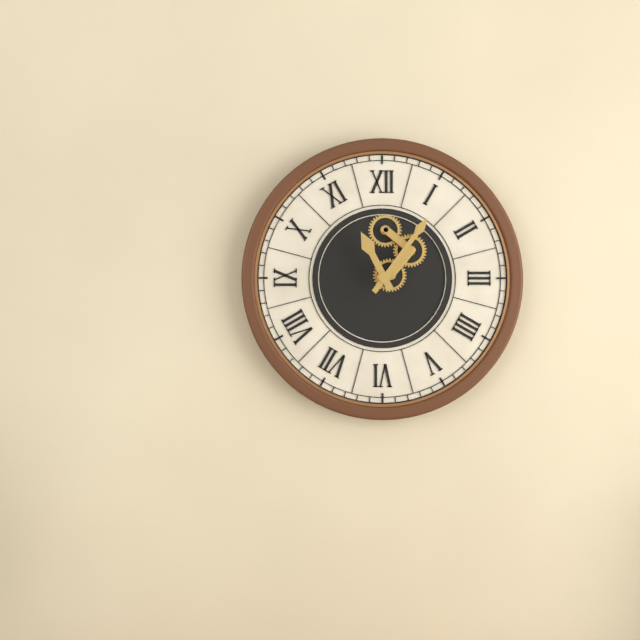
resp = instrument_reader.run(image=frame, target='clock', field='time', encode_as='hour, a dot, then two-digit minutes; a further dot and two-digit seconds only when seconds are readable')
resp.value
11.06
